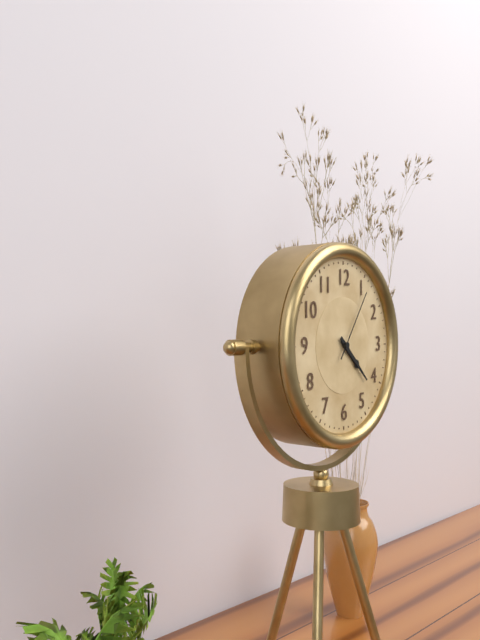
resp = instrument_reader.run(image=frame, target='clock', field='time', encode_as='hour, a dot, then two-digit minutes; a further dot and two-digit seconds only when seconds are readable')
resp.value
4.22.06
